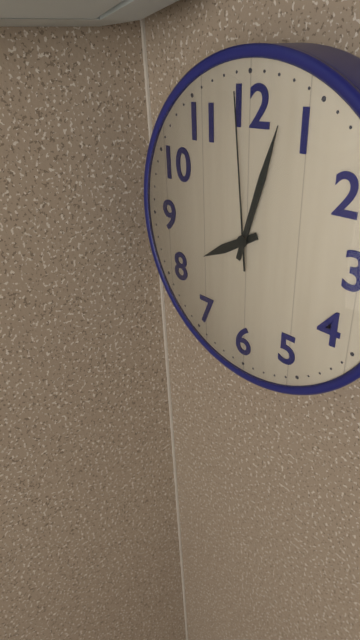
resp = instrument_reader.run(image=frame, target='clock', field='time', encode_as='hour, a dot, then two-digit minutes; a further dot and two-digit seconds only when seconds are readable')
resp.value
8.03.59
